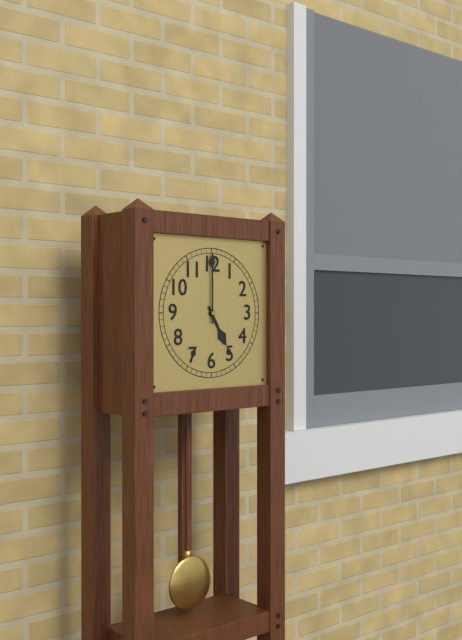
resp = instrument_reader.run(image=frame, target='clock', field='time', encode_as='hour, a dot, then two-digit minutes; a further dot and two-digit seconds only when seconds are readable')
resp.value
5.00
